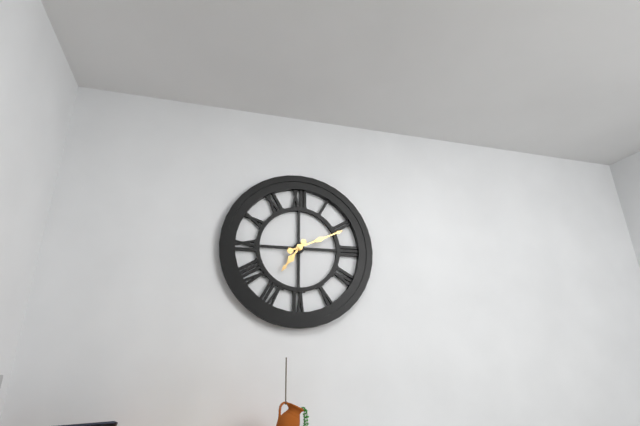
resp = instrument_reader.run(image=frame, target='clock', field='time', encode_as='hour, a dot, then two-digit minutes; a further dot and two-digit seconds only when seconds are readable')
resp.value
7.11
